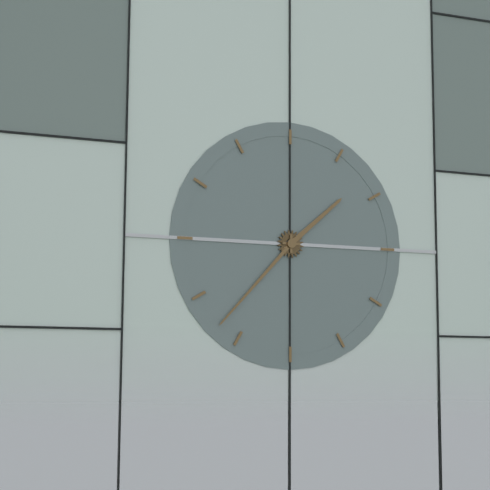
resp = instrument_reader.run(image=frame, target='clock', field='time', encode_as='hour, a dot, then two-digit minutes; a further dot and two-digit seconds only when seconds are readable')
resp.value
1.37
